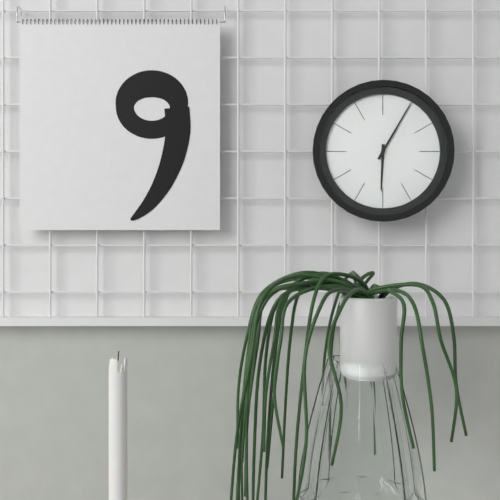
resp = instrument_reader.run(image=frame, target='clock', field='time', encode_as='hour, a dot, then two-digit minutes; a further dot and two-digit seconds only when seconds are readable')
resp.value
6.05
